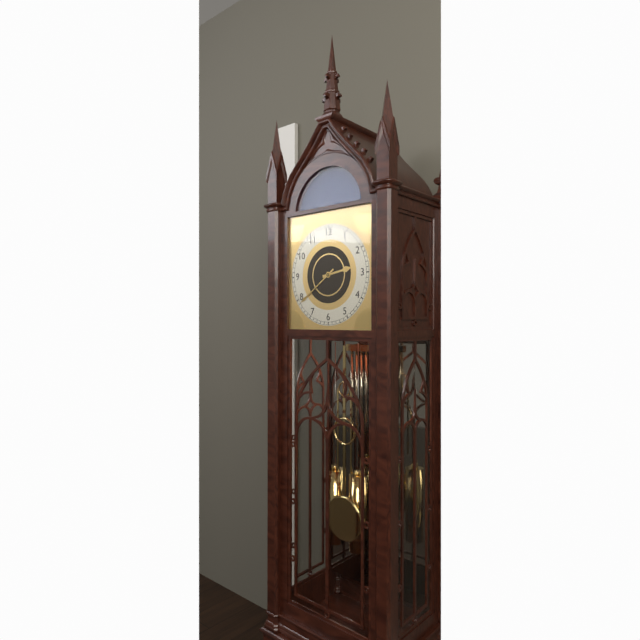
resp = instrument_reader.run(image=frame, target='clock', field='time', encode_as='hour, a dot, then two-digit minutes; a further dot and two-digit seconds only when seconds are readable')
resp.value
2.39
